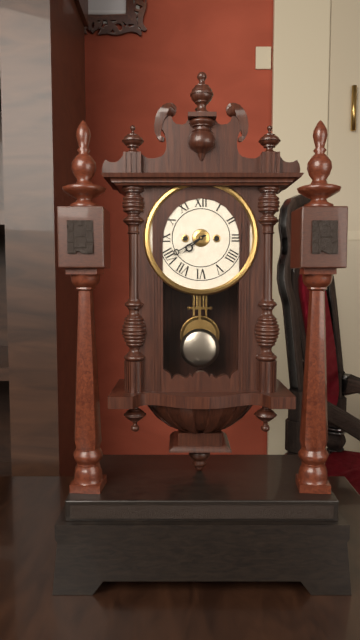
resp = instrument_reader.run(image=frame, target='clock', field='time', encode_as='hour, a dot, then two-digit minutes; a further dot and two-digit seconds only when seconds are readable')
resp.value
7.40
